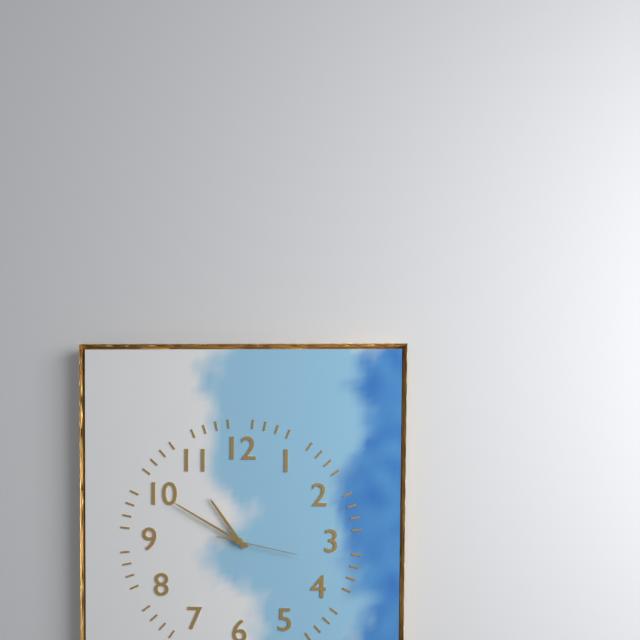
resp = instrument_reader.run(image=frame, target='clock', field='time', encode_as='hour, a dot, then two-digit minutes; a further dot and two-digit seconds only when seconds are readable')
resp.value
10.50.17
